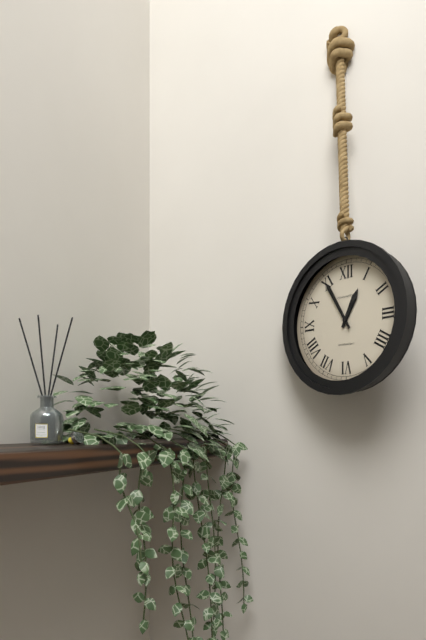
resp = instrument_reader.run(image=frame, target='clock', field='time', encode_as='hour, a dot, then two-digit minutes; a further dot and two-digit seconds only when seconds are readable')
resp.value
12.55
